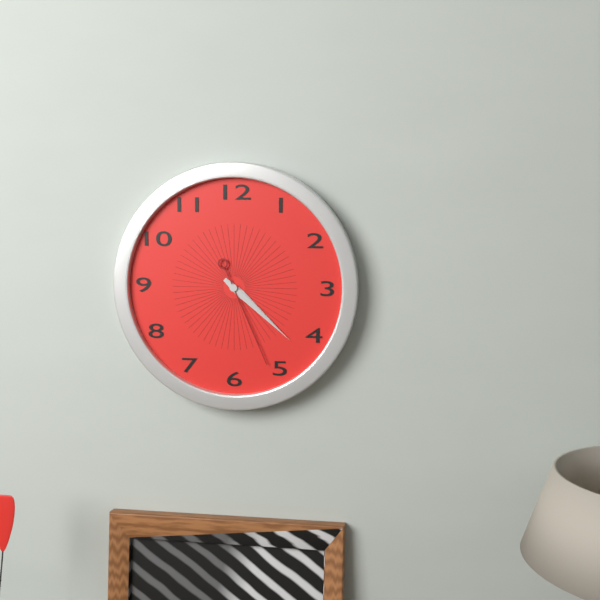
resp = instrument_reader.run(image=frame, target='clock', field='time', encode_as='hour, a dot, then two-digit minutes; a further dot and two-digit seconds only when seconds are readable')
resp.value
4.22.26
